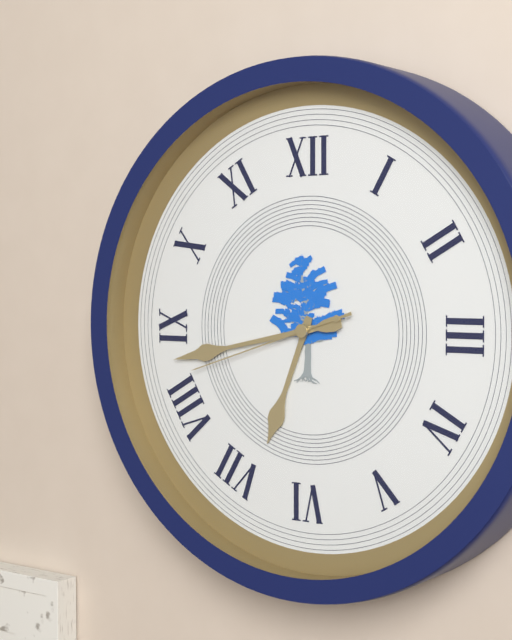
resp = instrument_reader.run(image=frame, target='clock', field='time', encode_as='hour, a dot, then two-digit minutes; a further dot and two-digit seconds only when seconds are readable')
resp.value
6.43.42
